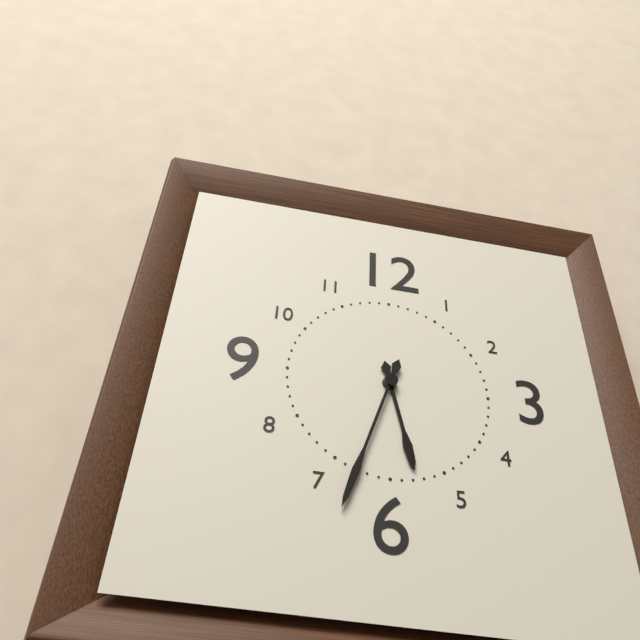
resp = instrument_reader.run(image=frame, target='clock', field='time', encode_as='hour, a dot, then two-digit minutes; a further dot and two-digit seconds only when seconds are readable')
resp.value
5.33
